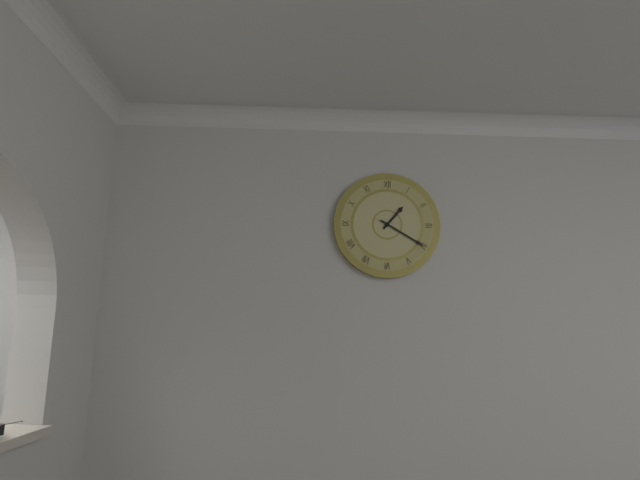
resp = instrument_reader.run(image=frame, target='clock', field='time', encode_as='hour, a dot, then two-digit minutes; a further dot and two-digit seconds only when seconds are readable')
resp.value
1.20
